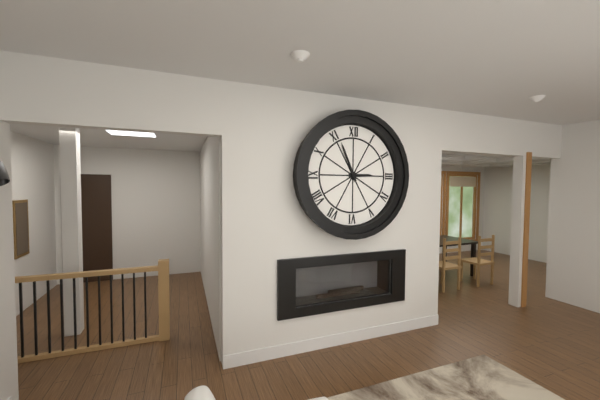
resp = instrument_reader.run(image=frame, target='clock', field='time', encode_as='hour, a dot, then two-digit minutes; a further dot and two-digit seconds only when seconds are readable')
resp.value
2.56
